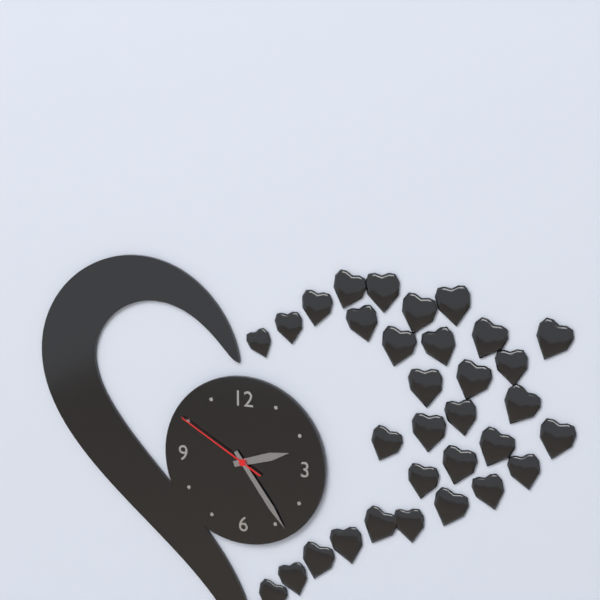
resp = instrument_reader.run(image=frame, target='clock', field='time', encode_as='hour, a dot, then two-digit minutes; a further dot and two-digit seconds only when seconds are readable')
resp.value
2.24.50
